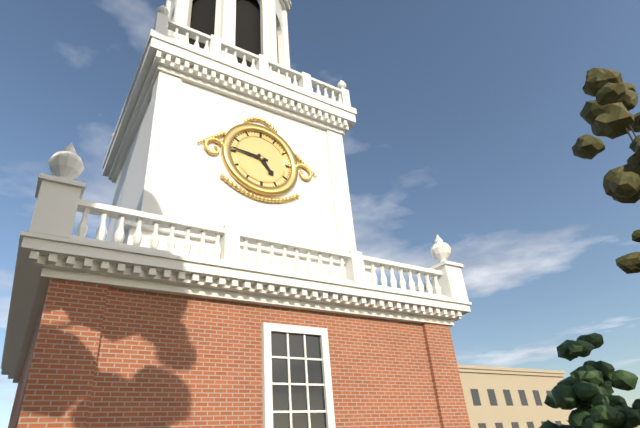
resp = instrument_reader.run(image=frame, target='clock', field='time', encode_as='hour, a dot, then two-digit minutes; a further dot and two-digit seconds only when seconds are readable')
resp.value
4.46
